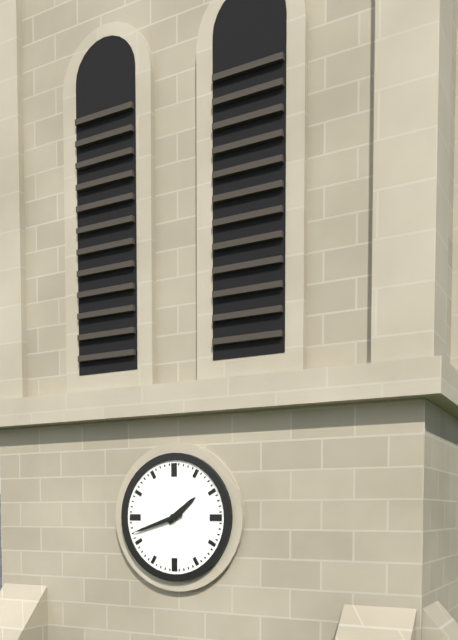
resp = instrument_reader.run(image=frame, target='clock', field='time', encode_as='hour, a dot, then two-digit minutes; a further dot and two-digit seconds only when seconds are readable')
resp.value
1.42
